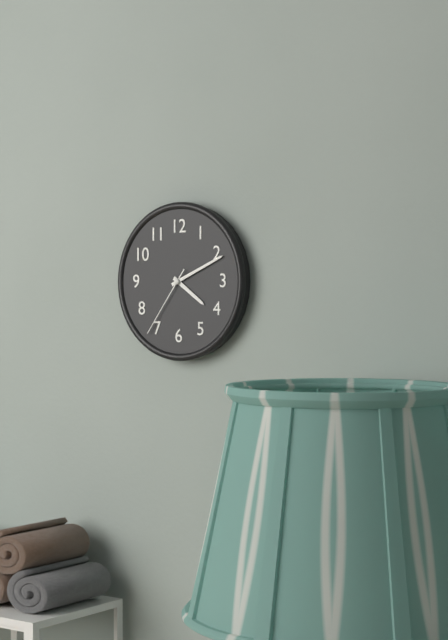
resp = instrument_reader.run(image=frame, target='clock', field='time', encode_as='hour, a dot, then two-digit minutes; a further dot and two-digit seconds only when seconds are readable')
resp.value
4.11.36
